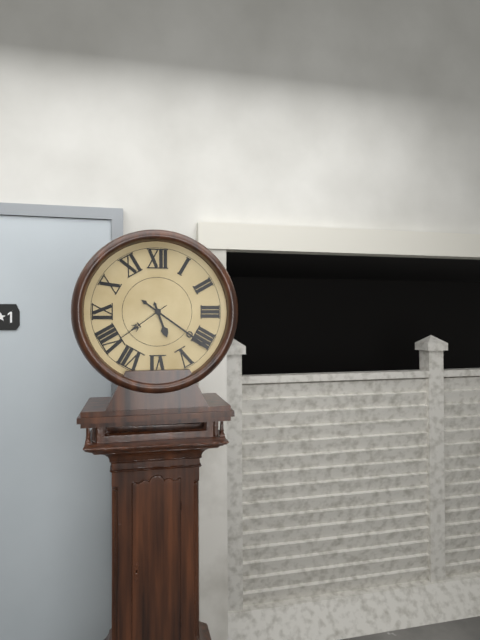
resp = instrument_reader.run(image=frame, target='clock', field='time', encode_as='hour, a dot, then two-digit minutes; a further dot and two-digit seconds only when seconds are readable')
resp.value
5.21.39
